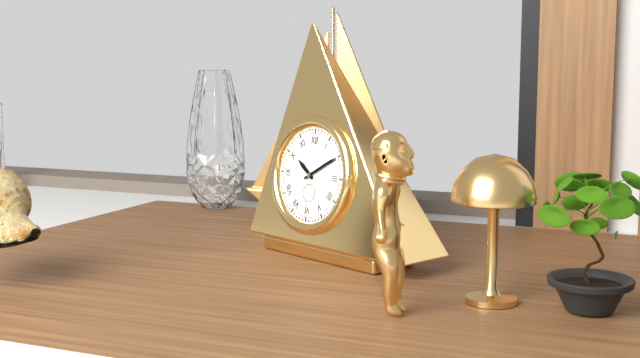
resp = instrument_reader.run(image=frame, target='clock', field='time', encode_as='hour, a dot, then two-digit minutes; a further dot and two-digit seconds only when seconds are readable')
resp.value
10.10
